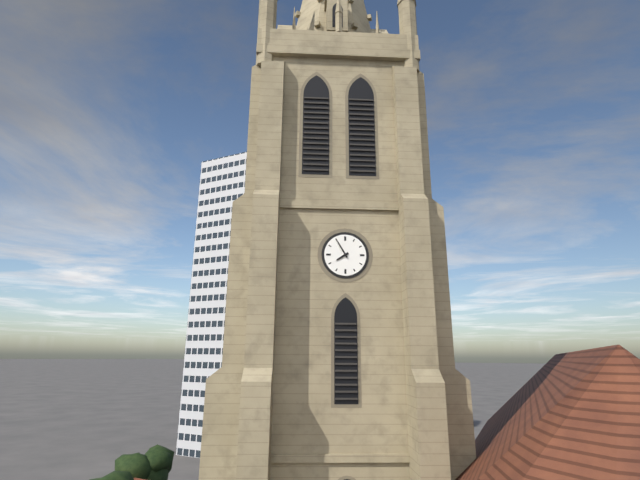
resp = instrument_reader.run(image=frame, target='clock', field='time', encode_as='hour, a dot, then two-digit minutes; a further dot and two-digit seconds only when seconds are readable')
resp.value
7.55
